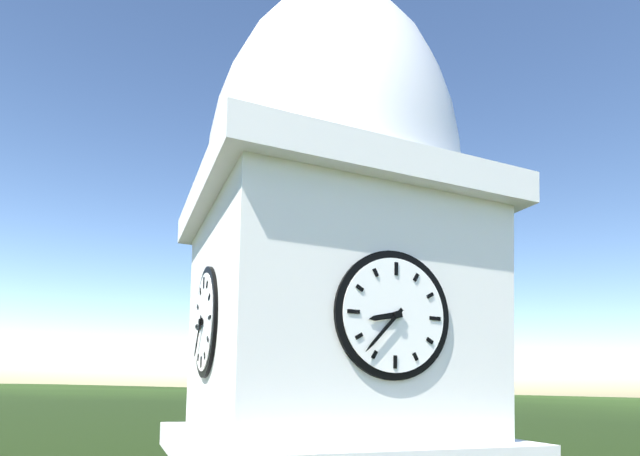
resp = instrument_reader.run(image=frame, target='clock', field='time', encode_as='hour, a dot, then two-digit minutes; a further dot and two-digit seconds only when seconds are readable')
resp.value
8.37
